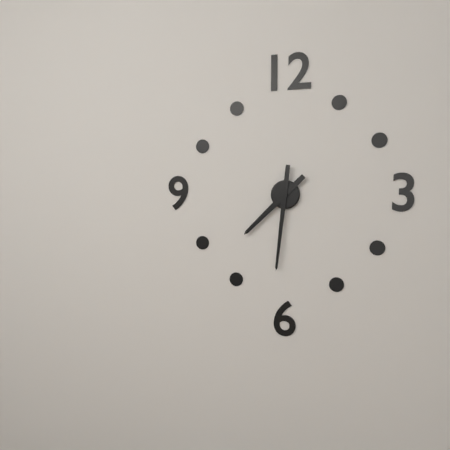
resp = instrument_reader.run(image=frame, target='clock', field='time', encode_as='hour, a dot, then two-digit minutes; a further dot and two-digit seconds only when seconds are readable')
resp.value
7.31
